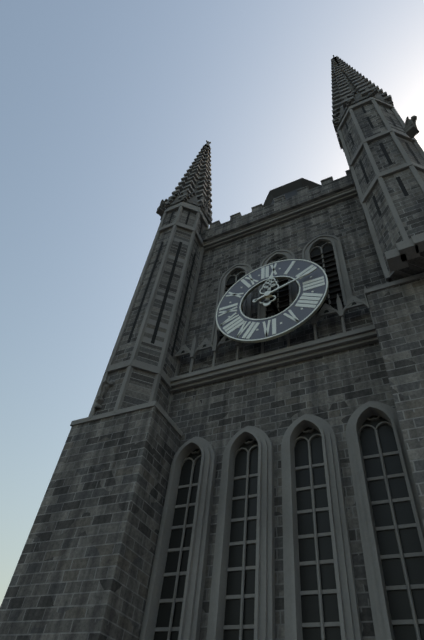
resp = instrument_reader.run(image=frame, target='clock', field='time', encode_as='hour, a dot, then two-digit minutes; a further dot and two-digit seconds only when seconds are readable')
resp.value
12.12
